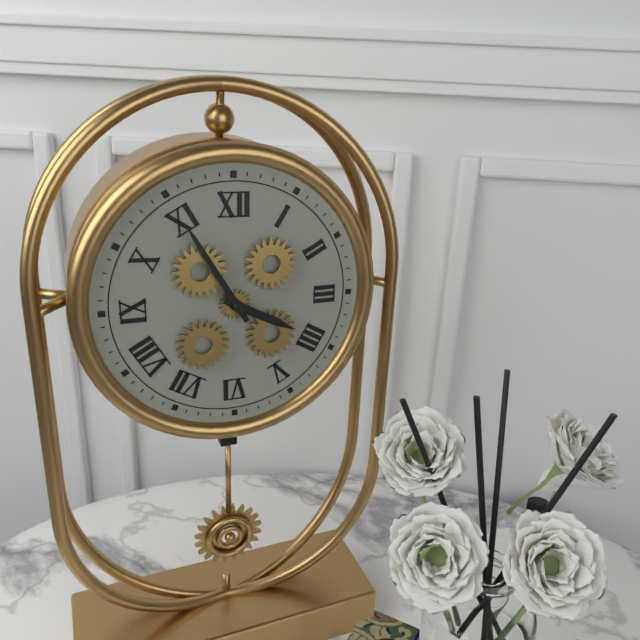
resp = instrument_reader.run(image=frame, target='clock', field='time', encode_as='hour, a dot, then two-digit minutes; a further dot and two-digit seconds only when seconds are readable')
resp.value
3.55
